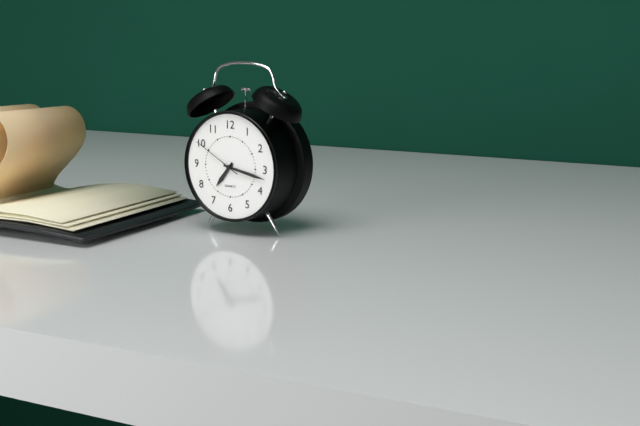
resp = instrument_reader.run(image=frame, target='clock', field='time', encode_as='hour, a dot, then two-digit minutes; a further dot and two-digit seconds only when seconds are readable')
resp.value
7.17.50
